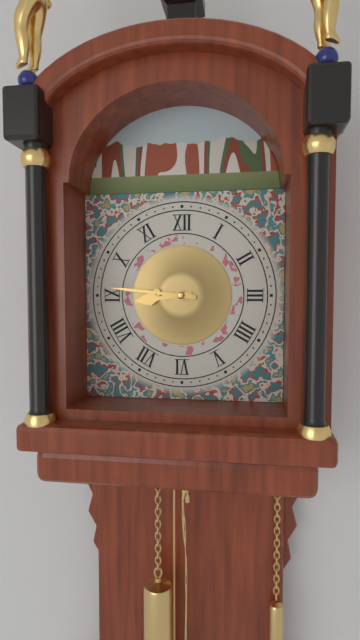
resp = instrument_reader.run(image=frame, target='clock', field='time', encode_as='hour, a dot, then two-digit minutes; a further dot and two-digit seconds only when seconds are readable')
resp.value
8.46
